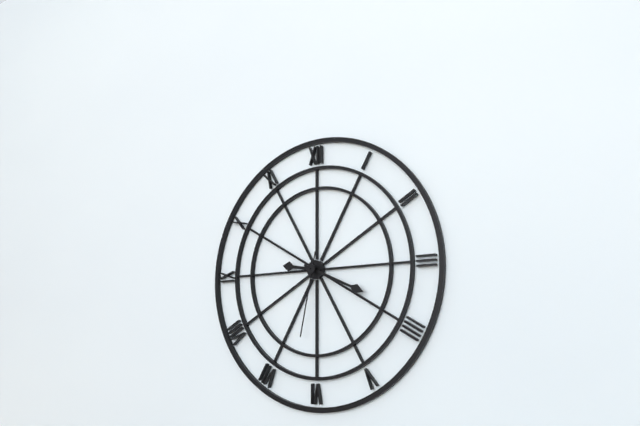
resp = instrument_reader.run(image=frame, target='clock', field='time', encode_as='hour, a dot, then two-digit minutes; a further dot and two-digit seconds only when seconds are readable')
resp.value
9.19.32
